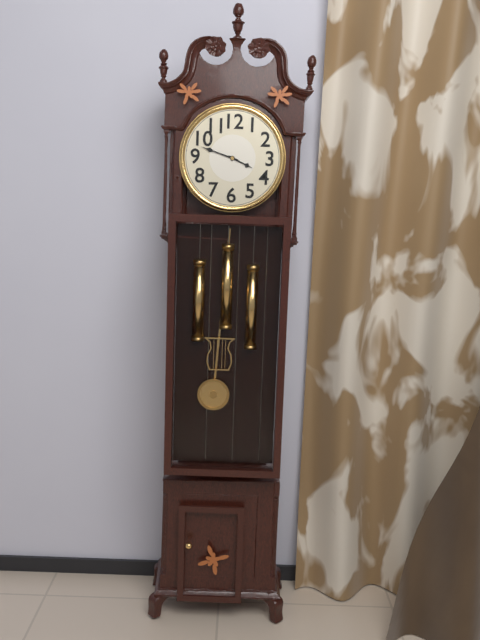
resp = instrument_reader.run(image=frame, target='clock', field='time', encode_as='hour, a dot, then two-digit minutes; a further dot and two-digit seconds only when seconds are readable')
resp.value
3.48
